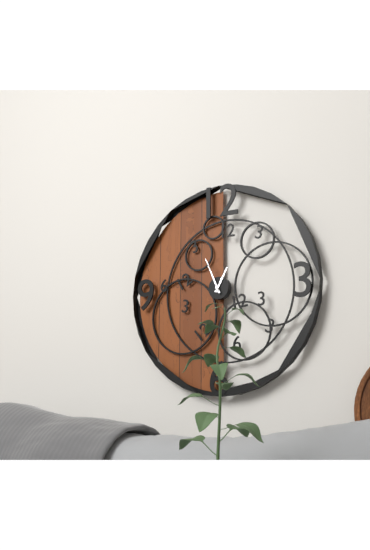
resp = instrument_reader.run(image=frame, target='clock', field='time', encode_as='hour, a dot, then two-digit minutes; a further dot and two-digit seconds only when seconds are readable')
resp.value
12.56
